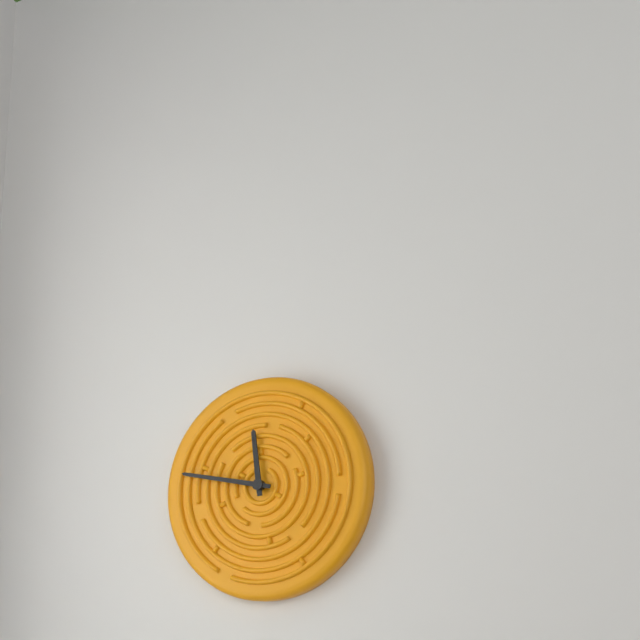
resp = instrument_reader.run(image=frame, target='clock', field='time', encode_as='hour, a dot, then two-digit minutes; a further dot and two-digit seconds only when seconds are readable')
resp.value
11.47
